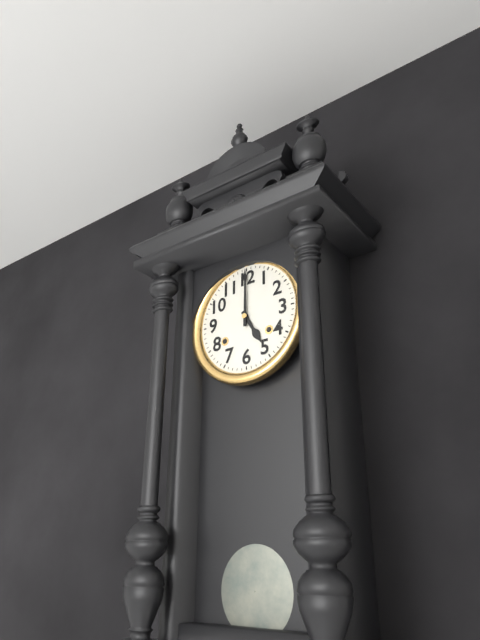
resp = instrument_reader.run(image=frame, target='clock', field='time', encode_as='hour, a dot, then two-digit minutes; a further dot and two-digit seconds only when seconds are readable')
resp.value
5.00
